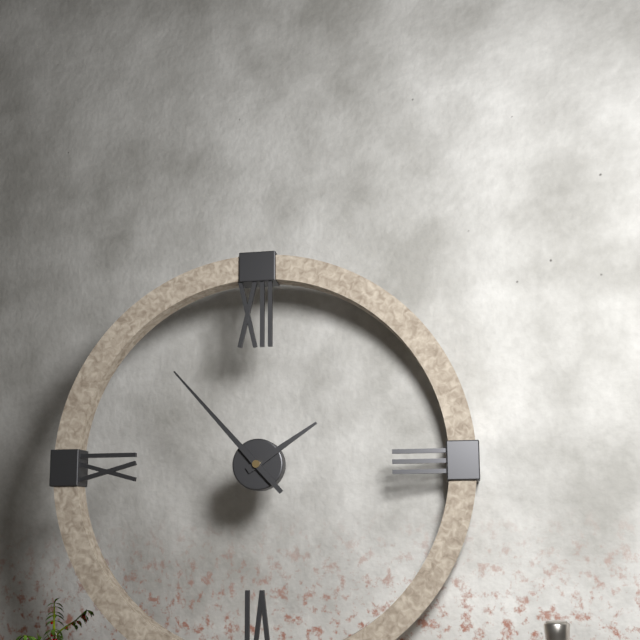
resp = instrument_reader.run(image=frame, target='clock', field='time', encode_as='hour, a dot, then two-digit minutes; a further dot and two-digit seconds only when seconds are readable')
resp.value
1.53
